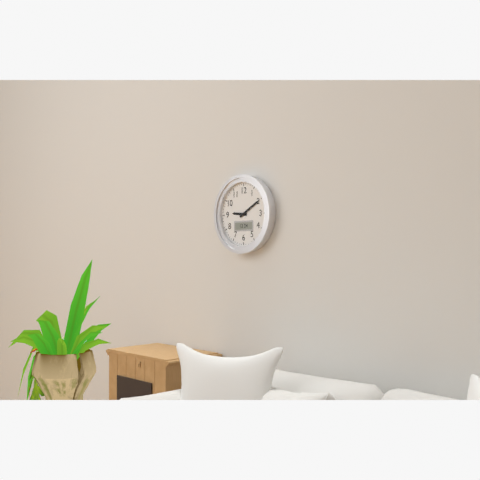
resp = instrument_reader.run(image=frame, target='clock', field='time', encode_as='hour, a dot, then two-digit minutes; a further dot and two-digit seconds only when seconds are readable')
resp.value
9.10
